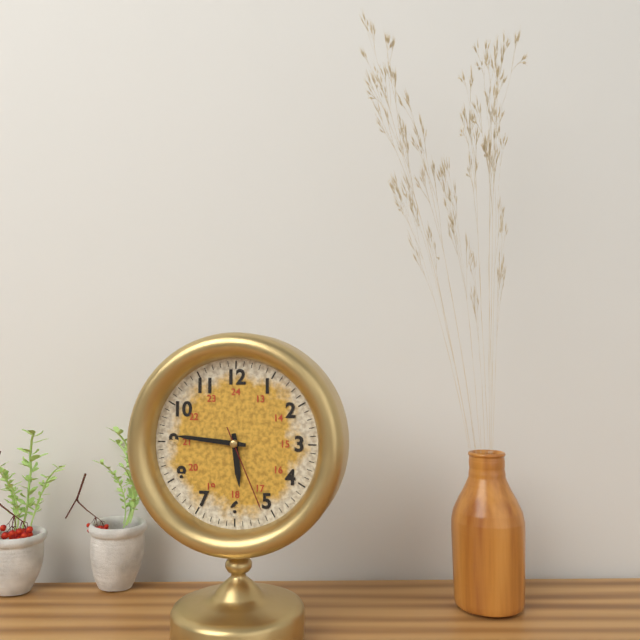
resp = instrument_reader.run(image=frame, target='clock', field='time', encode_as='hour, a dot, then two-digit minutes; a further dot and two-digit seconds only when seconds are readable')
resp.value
5.46.26
